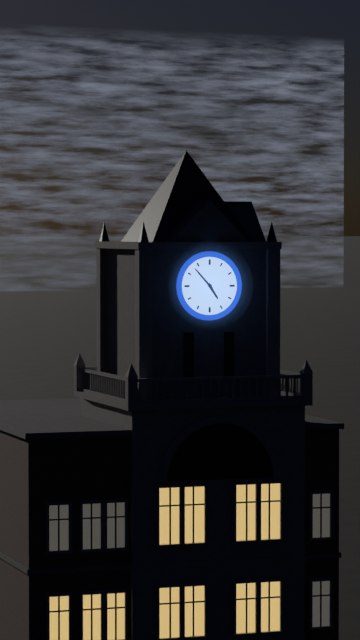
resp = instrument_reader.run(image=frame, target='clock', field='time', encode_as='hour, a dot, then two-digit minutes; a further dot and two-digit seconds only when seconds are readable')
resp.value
4.53
